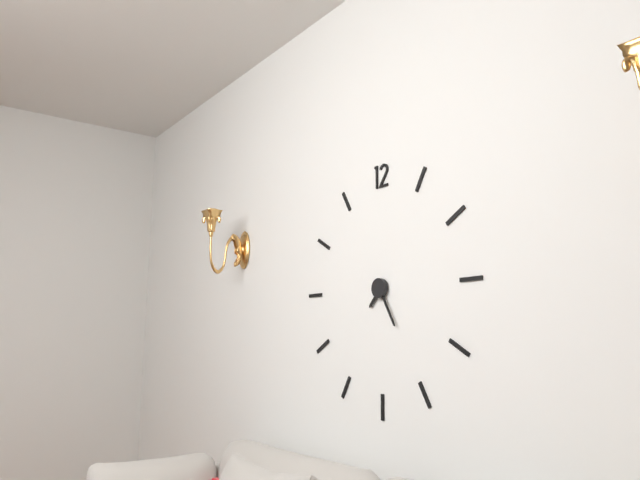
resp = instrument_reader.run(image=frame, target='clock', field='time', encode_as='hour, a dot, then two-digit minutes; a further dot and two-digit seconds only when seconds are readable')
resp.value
7.25
